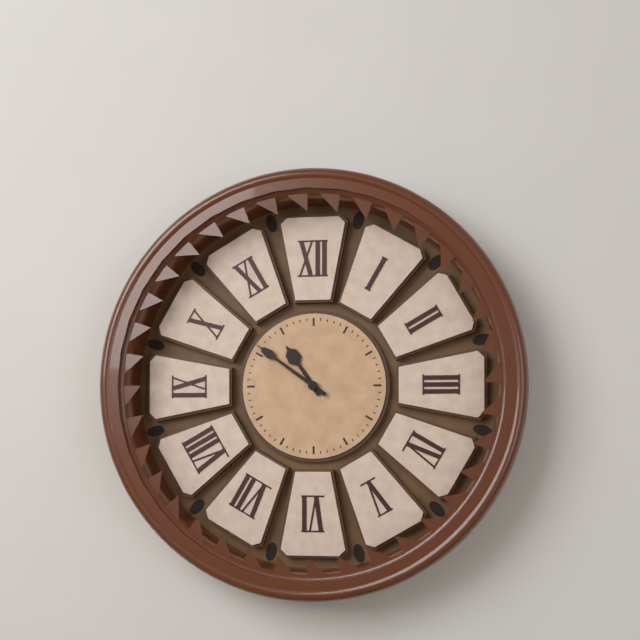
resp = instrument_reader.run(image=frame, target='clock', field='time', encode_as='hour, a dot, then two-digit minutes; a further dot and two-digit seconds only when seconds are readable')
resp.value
10.51
